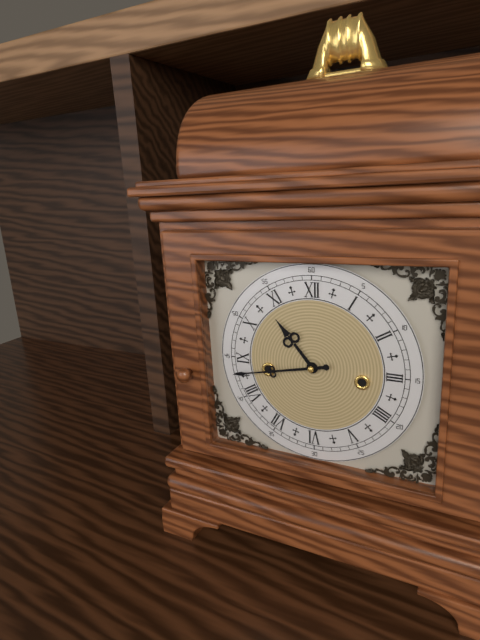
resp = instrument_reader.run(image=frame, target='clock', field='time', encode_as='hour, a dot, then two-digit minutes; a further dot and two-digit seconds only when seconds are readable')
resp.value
10.43
